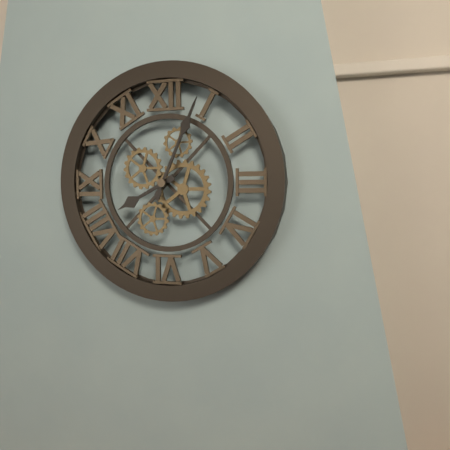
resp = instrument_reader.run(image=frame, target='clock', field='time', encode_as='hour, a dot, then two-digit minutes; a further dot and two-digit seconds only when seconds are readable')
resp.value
8.04
